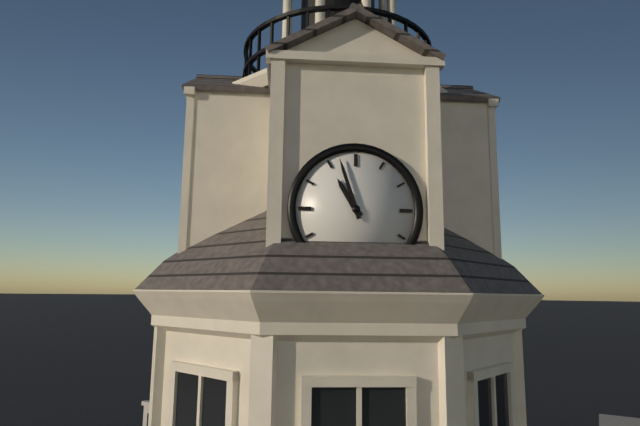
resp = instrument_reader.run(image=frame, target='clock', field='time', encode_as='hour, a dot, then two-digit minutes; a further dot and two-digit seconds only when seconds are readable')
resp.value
10.57
